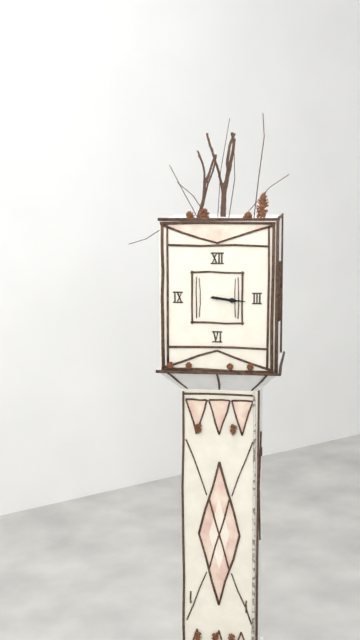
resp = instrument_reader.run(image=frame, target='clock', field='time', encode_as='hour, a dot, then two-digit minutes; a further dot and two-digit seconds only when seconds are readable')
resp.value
3.16
